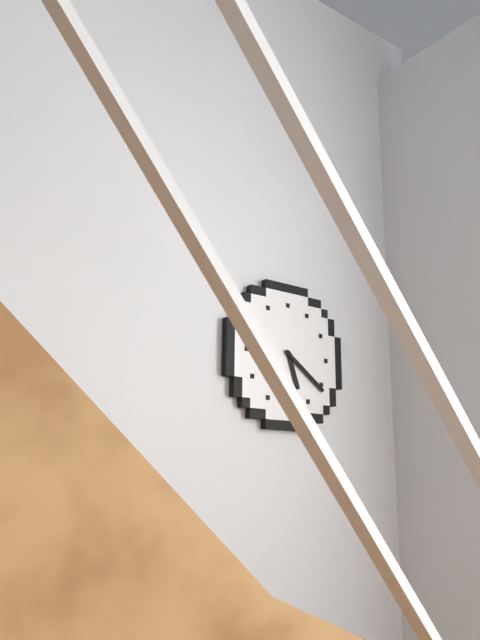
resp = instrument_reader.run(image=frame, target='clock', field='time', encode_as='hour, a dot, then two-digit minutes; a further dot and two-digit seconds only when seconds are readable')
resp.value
5.21
